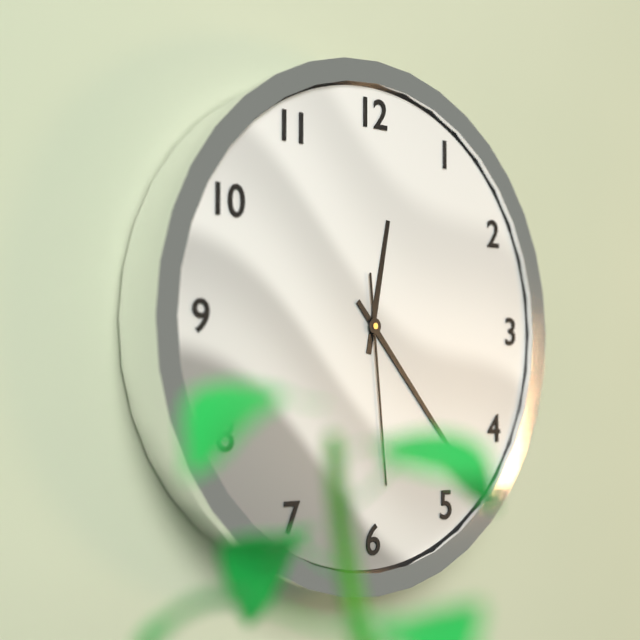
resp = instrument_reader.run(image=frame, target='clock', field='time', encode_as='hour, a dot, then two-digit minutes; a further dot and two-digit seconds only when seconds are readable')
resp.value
12.23.29
